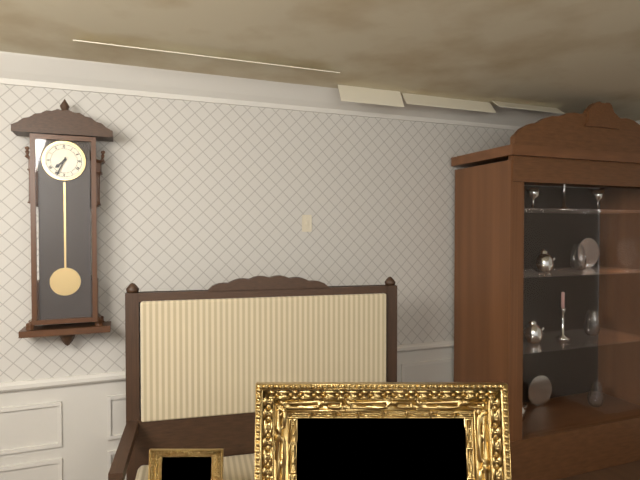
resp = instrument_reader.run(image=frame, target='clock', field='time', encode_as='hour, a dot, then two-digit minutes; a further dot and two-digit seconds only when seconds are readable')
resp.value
7.34
